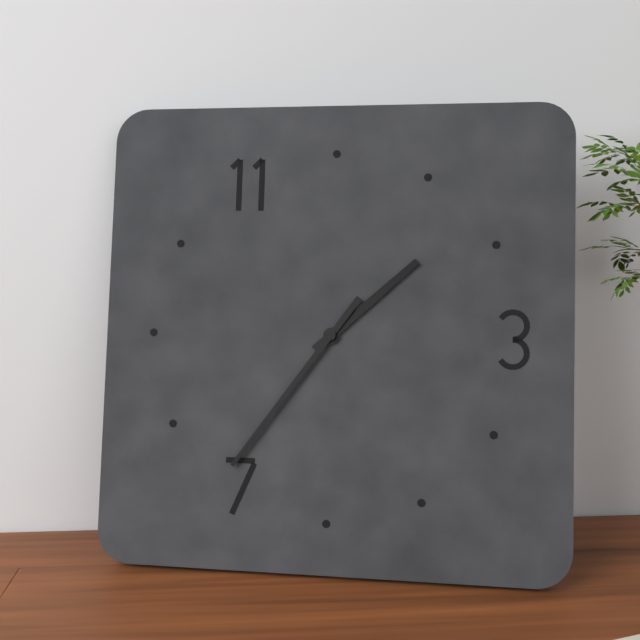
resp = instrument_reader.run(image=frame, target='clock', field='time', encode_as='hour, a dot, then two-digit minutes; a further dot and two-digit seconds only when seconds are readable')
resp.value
1.36
